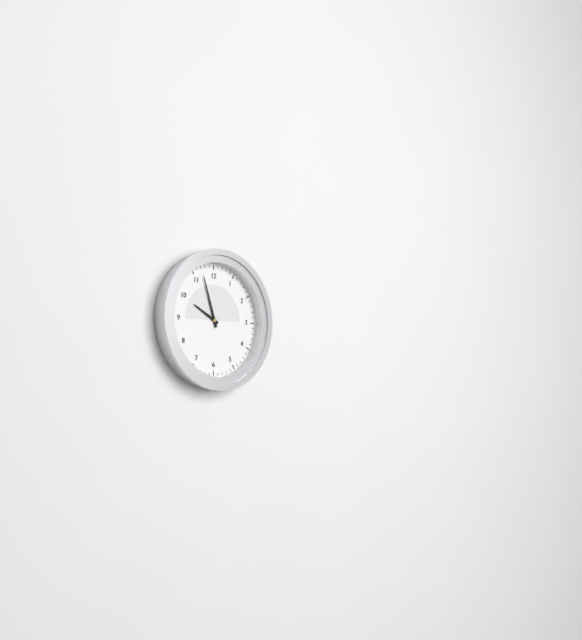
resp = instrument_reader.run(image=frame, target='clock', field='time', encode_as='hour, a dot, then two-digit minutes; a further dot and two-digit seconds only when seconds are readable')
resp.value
9.57
